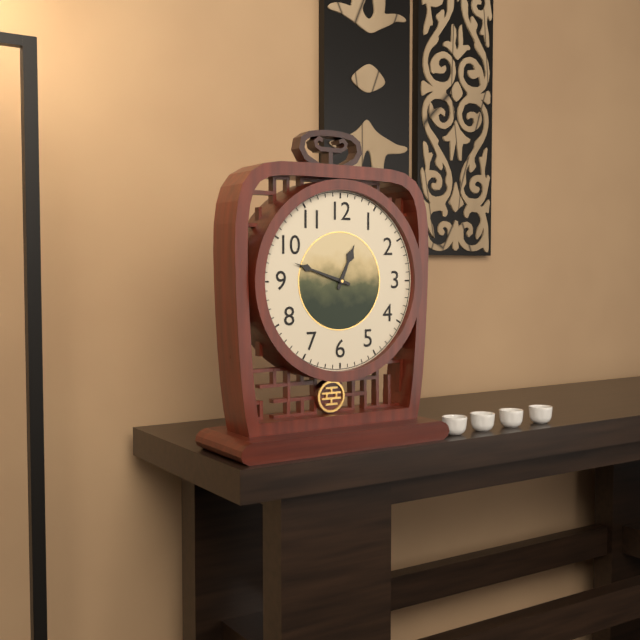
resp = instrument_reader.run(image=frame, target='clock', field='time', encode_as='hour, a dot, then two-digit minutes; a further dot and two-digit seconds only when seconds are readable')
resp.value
12.48
